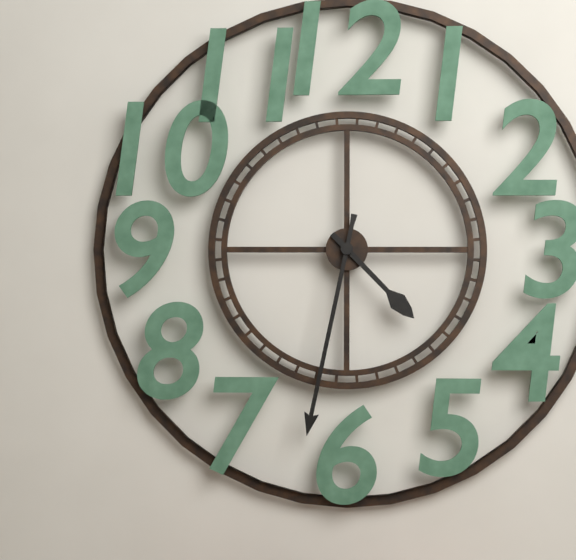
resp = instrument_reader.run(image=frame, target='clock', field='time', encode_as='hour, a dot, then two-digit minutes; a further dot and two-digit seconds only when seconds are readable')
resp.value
4.32
